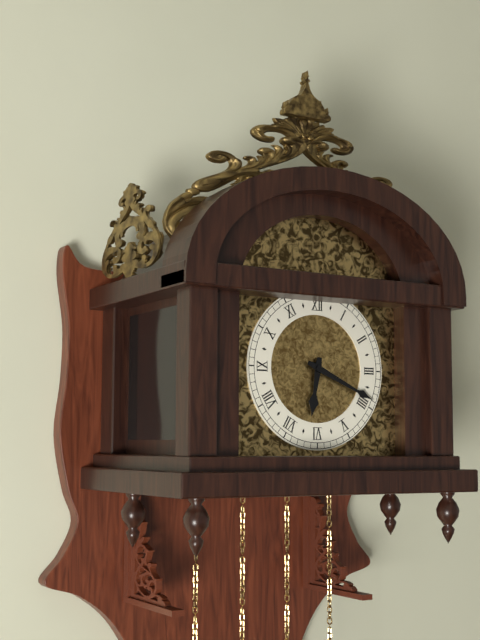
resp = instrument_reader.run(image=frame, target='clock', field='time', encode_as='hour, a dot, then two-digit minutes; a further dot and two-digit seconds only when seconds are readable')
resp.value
6.19
